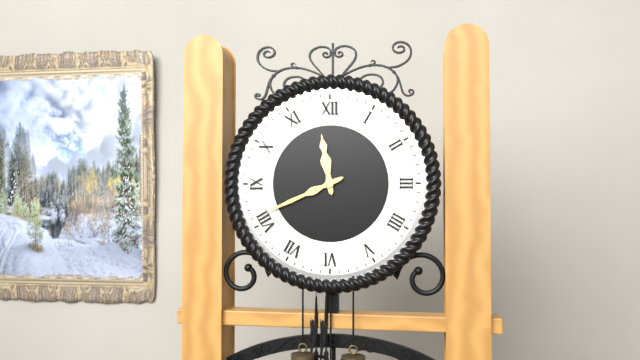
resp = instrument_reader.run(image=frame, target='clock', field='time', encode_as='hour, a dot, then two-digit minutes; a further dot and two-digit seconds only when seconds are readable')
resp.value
11.41
